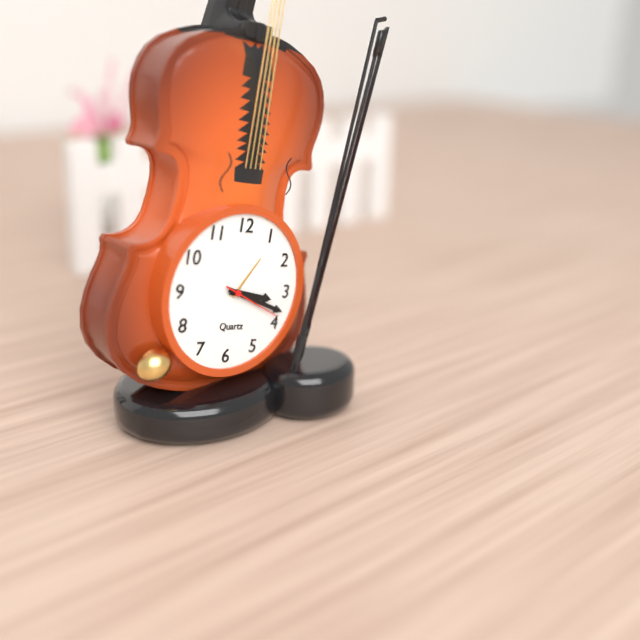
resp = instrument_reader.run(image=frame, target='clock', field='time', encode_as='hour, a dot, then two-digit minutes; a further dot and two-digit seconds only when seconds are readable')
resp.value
3.18.19
